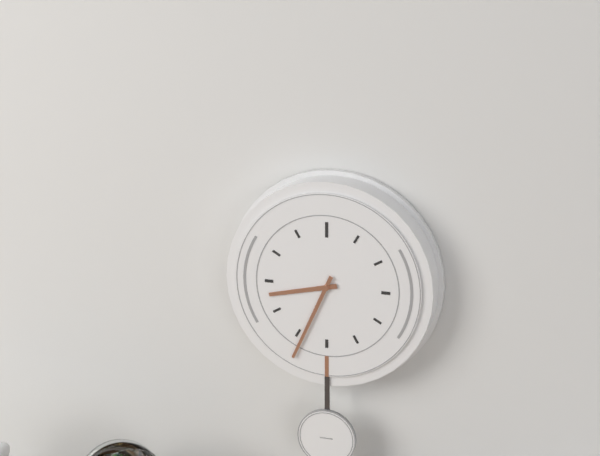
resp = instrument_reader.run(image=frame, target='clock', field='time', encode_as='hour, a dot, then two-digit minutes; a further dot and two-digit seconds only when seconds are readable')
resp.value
8.34
